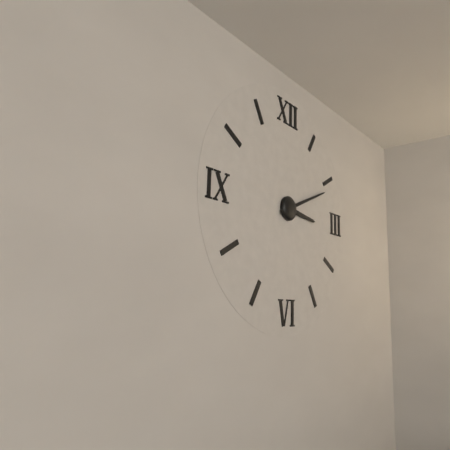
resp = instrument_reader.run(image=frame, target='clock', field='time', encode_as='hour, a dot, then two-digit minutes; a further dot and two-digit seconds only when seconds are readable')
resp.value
3.11
